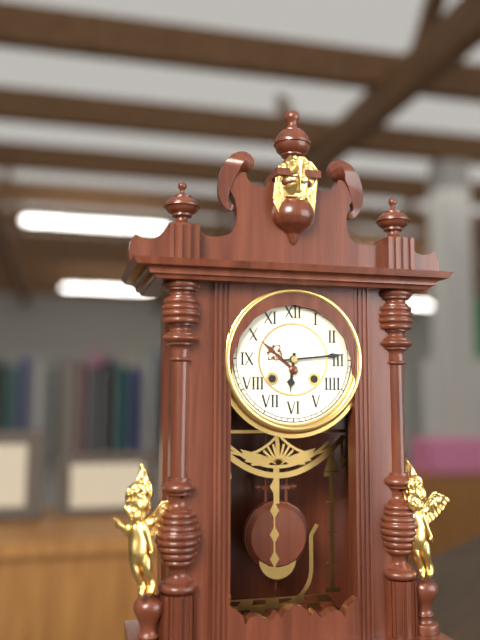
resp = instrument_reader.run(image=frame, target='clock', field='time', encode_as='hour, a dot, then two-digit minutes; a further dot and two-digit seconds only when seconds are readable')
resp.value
6.14
